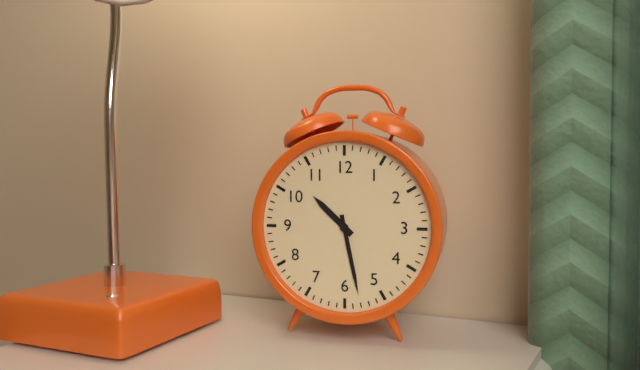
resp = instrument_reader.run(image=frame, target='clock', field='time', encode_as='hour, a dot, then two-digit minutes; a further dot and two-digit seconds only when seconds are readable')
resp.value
10.28
